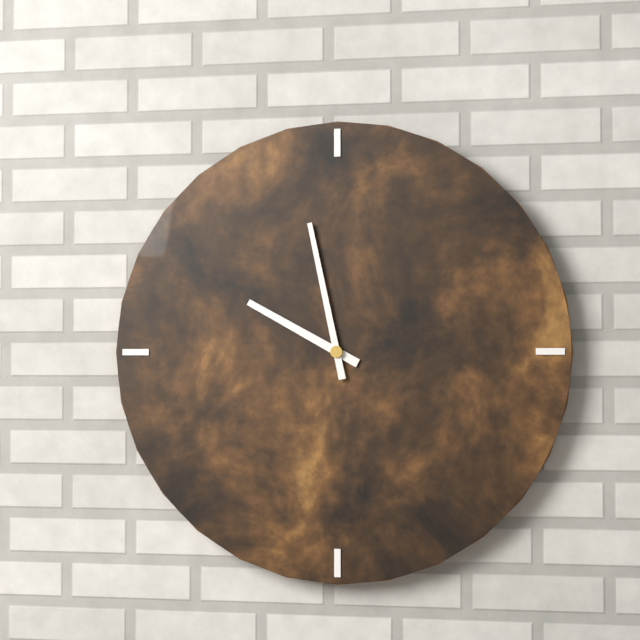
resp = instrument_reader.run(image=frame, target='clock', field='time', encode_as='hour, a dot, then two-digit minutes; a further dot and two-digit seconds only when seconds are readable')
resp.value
9.58
